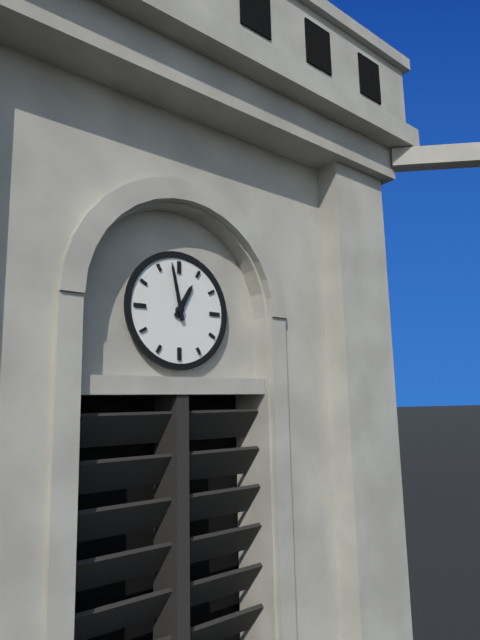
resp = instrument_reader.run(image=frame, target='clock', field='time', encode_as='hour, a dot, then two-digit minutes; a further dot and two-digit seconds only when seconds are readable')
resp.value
12.58
